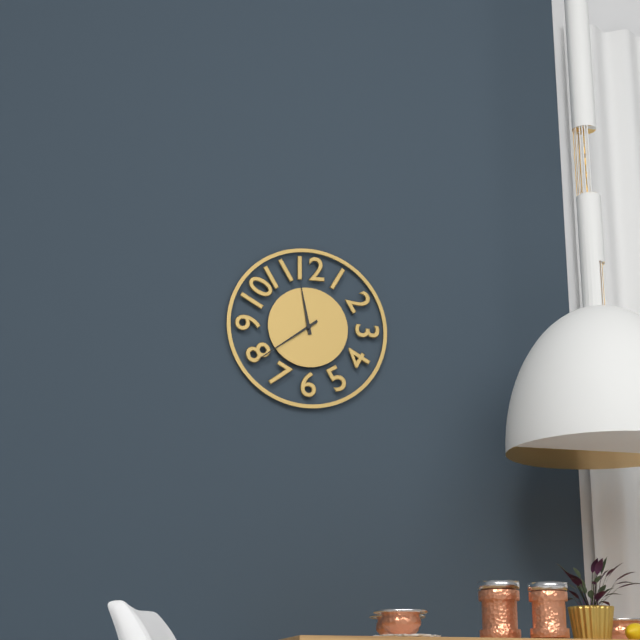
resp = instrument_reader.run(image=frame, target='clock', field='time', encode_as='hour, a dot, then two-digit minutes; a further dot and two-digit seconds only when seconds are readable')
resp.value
11.39
